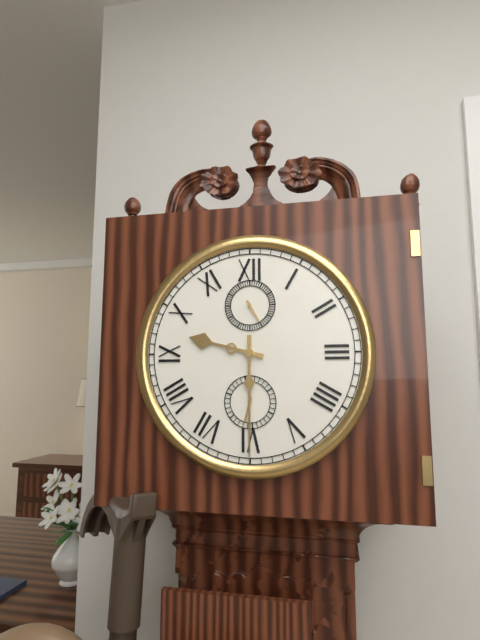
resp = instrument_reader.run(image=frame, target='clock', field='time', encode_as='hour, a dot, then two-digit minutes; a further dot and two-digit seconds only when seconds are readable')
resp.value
9.30
